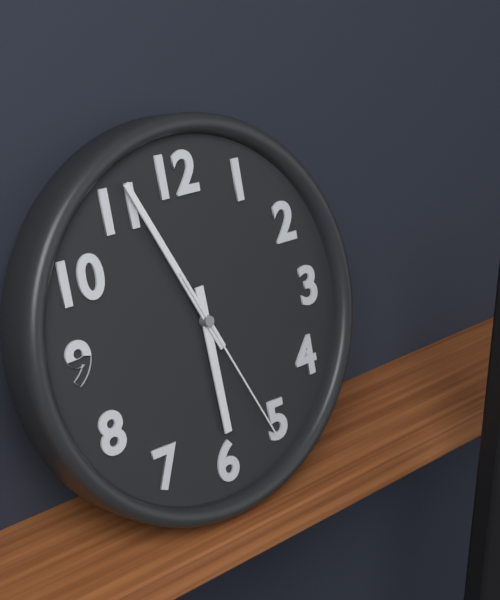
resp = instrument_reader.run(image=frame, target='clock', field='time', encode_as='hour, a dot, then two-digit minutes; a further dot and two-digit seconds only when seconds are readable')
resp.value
5.56.26
